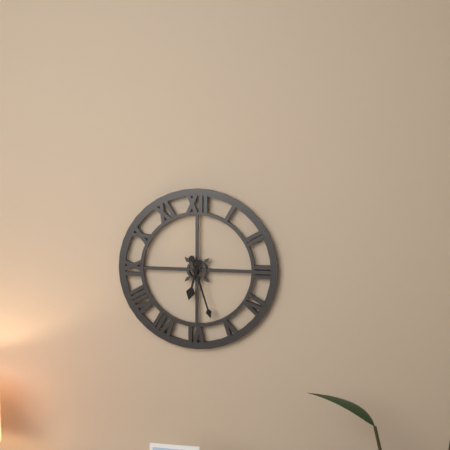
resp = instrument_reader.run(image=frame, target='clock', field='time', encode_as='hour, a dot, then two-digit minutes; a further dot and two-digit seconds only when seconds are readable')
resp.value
6.27
